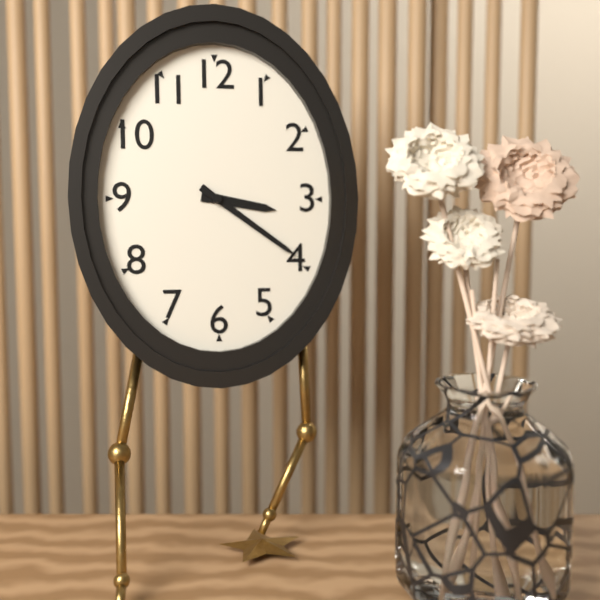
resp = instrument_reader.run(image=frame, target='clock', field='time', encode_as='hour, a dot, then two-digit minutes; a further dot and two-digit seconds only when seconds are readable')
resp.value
3.21
